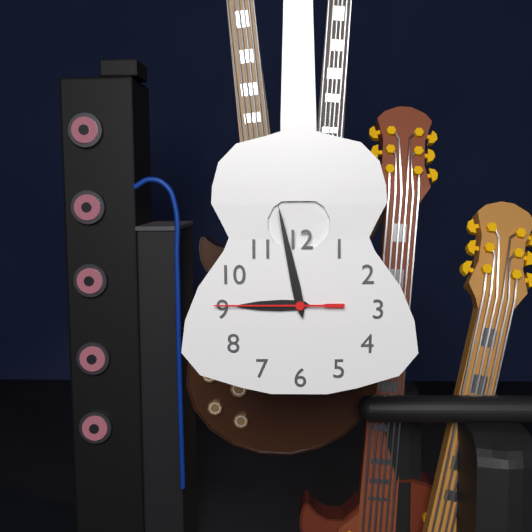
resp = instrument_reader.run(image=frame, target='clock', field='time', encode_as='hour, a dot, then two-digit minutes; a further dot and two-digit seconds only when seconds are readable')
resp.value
8.58.45
